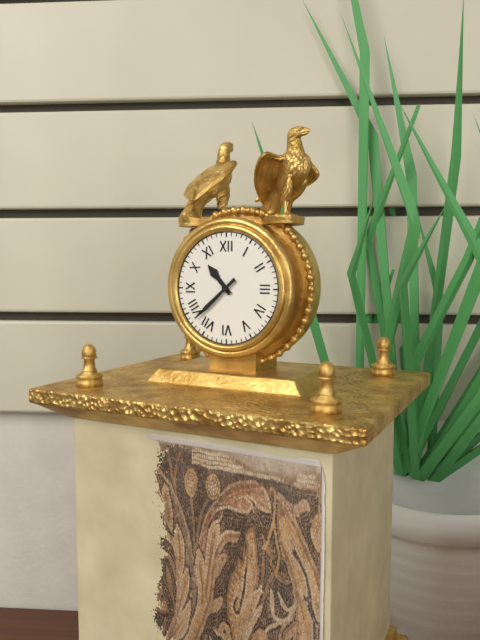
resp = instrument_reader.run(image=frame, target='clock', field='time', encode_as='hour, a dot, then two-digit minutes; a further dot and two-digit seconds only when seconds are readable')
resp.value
10.38
